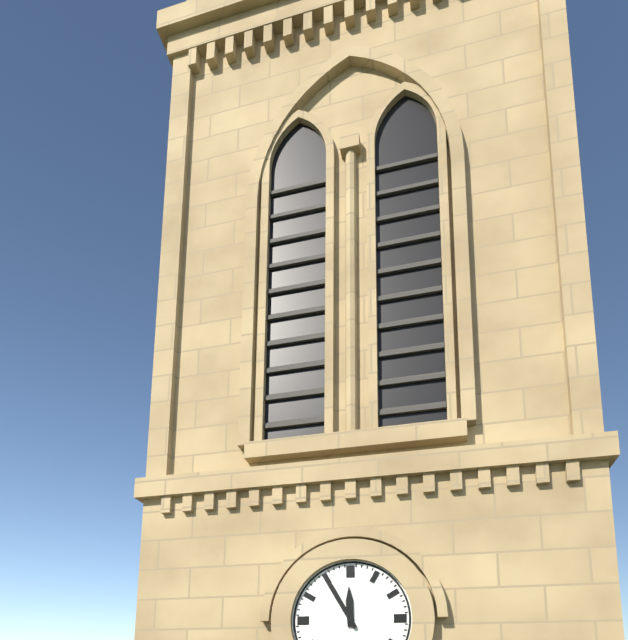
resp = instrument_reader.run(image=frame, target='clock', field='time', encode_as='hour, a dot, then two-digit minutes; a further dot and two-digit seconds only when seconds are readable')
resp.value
11.55
